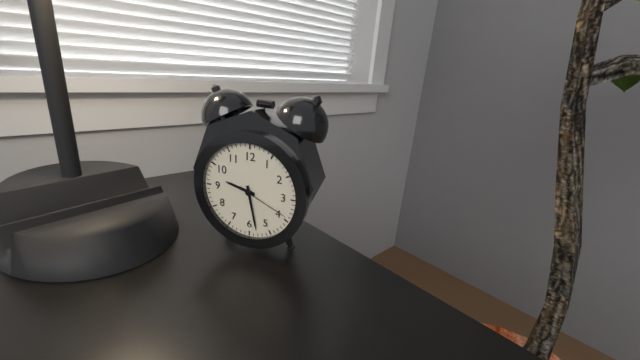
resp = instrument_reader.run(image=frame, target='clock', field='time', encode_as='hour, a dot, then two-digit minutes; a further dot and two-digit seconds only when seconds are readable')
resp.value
9.28.19
